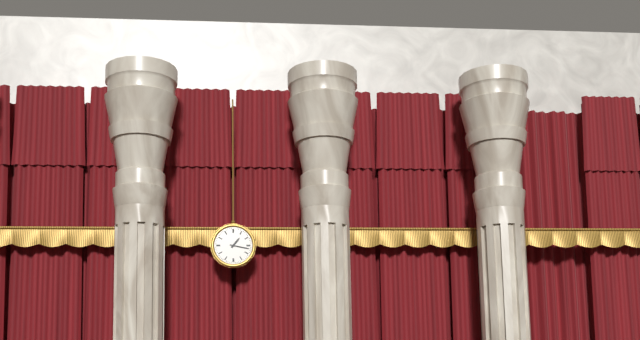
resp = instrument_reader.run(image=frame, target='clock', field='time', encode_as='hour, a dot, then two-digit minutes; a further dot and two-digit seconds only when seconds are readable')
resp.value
1.17
